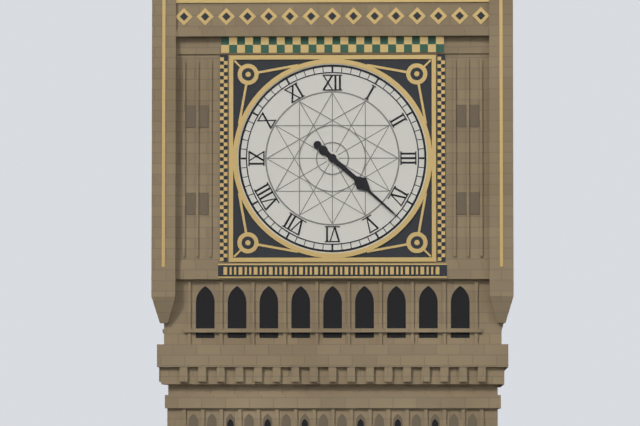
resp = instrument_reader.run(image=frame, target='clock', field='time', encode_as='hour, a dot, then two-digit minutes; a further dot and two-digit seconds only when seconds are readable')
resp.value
4.22
